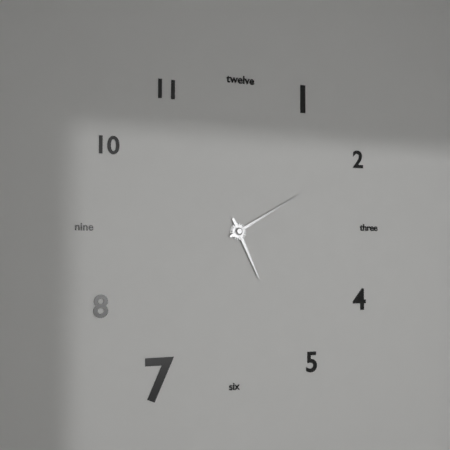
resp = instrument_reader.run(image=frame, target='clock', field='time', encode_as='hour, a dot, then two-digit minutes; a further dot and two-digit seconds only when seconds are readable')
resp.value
5.10
